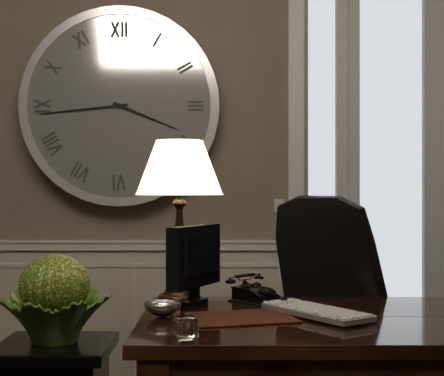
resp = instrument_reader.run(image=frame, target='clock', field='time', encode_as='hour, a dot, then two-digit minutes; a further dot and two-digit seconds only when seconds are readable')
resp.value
3.44
